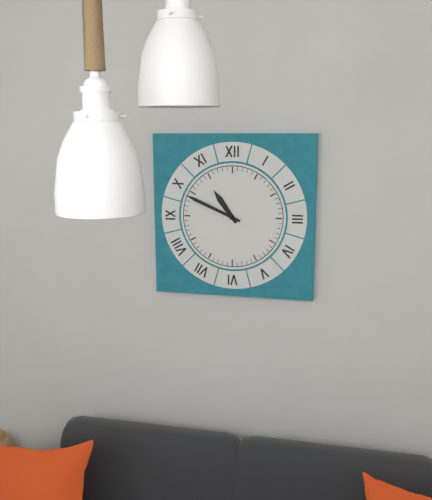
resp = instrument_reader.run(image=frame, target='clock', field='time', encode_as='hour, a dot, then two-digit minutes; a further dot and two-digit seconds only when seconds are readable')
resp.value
10.49
